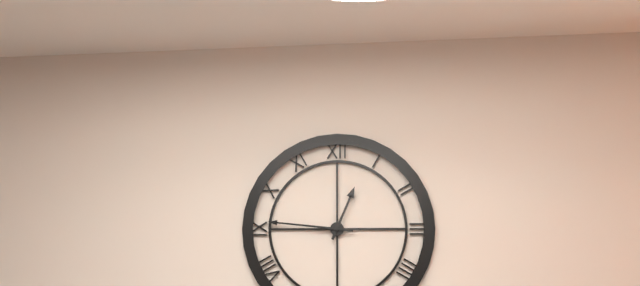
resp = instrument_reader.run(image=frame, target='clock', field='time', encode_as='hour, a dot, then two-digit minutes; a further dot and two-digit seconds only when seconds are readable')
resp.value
12.46
